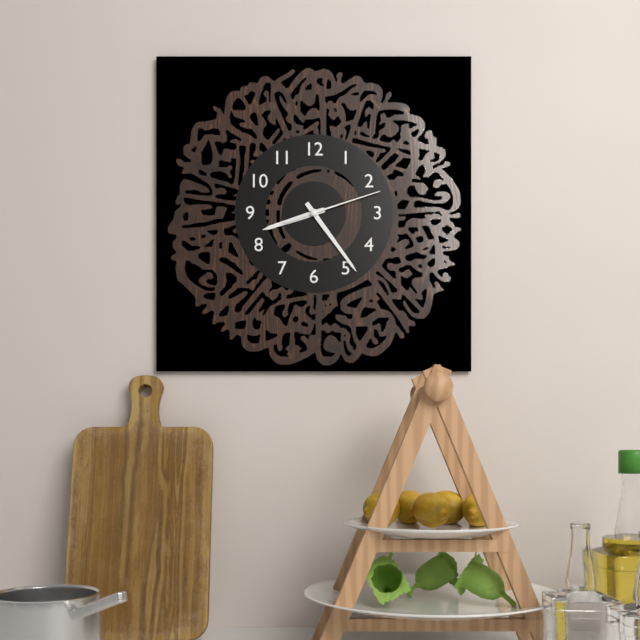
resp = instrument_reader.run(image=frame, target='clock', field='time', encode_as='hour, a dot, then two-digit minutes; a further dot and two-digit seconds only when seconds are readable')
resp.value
8.24.12
